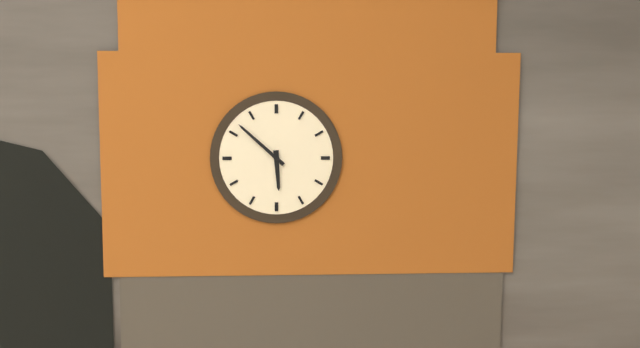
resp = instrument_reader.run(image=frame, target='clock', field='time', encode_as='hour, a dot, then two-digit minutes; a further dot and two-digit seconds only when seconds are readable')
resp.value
5.52
